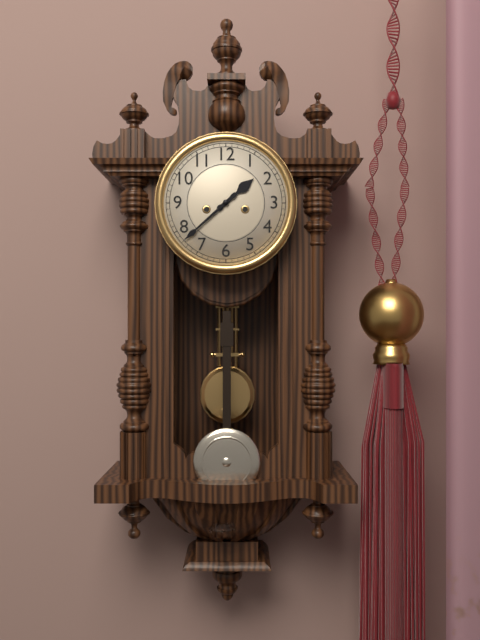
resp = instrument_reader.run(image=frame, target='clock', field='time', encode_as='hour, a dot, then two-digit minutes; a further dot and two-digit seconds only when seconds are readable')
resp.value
1.38
